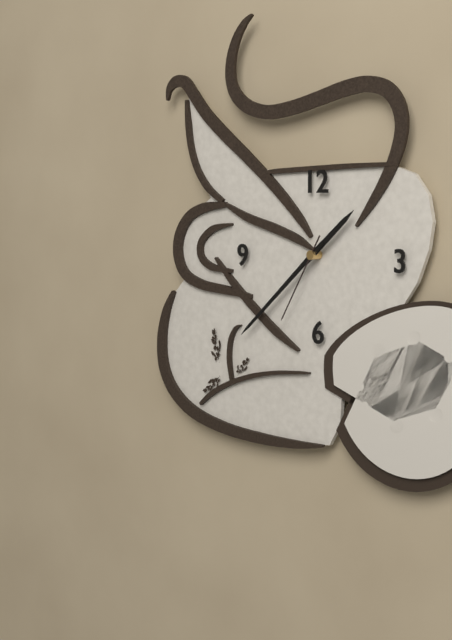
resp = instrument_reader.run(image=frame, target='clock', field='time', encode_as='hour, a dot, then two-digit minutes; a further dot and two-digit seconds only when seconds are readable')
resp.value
1.38.35
